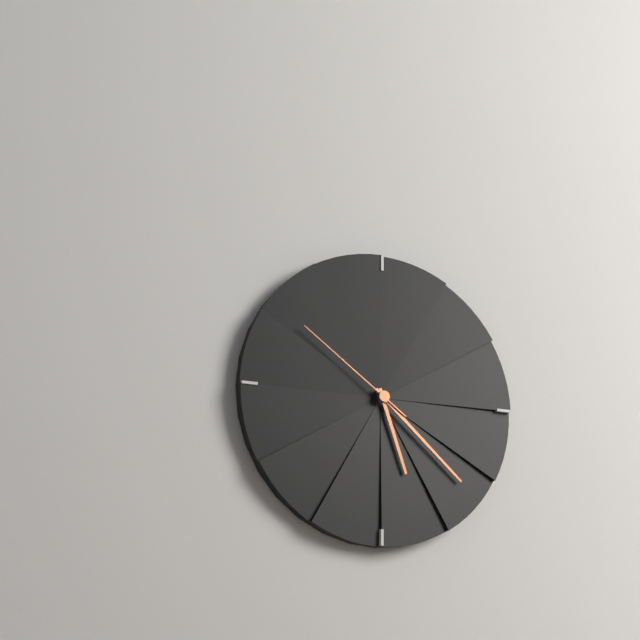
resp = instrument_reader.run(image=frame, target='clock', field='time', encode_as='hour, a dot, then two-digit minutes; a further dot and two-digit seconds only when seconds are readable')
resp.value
5.22.51
